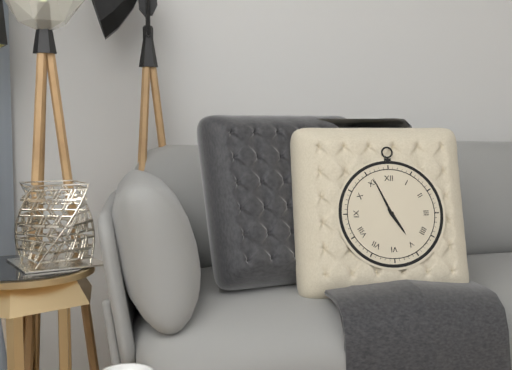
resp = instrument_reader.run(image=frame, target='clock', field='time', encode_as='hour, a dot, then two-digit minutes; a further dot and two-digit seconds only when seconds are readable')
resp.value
4.56
